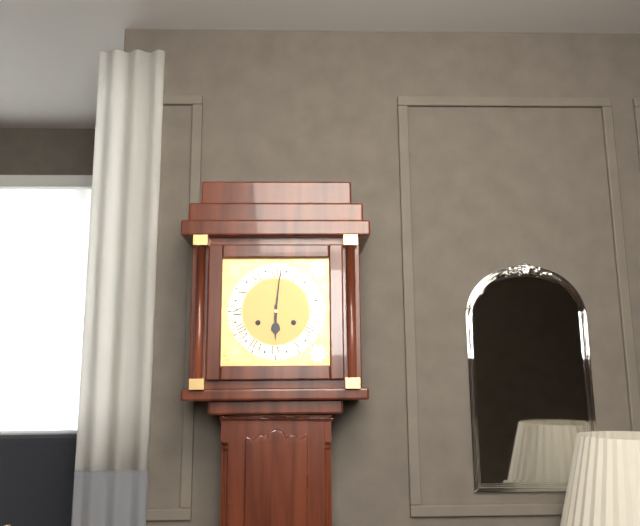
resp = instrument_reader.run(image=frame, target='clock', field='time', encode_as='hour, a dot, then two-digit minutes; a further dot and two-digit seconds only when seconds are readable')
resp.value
6.01
